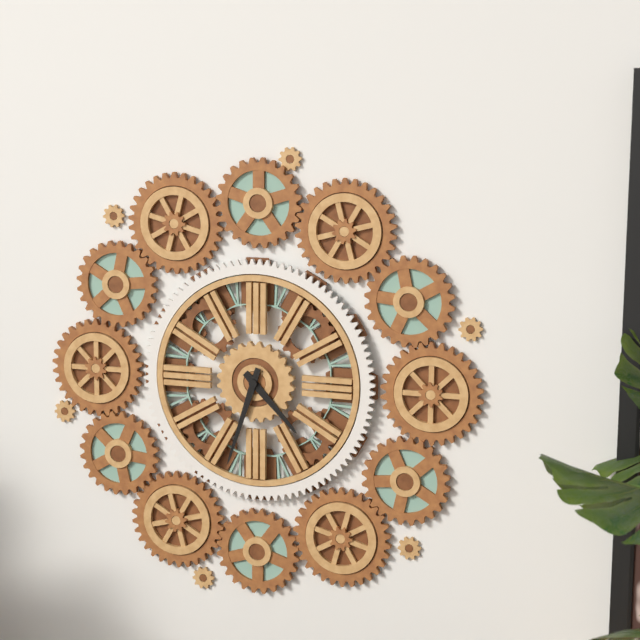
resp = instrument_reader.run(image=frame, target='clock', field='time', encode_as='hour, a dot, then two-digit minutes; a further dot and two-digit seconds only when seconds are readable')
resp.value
4.33
